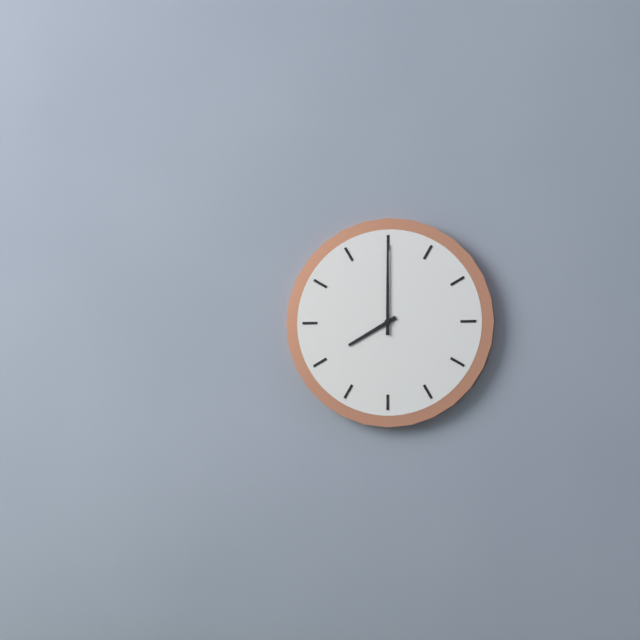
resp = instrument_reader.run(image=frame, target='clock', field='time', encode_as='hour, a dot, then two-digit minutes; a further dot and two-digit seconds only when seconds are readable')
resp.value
8.00
